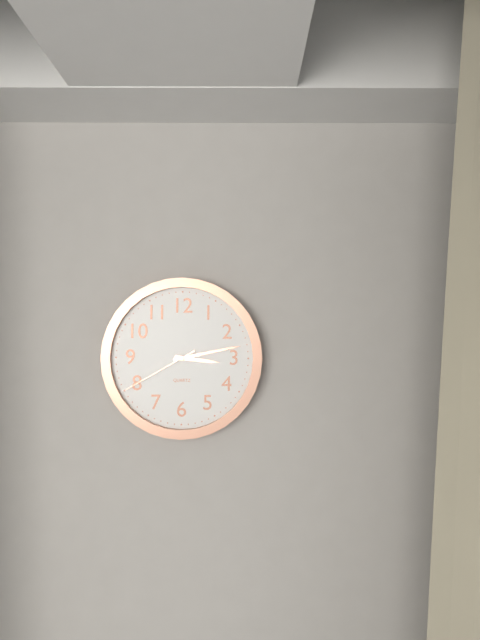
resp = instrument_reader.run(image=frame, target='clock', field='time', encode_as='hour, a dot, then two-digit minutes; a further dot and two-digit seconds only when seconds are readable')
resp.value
3.13.40
